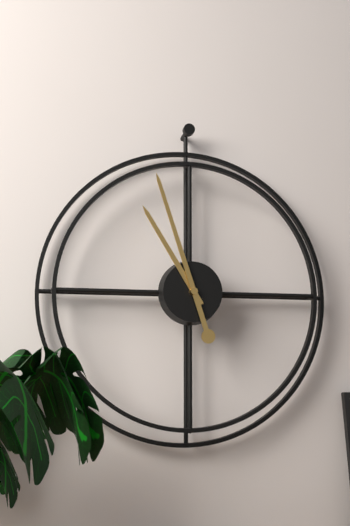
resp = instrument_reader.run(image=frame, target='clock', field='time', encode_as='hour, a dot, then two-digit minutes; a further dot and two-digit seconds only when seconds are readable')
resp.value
10.57
